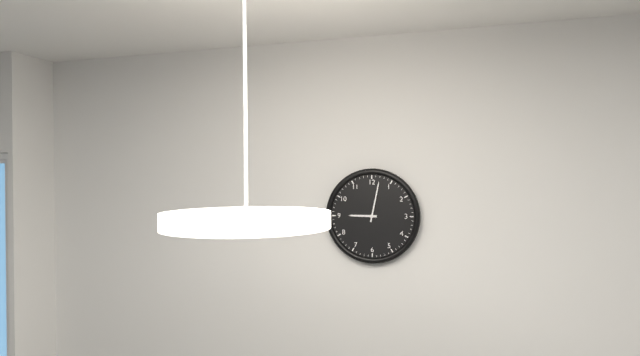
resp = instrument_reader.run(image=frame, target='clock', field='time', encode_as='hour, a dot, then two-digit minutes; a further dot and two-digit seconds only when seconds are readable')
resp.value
9.02
